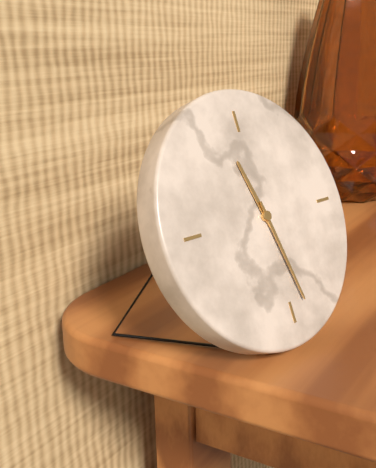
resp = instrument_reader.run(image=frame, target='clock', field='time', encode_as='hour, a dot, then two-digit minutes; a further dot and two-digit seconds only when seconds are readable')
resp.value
11.28
